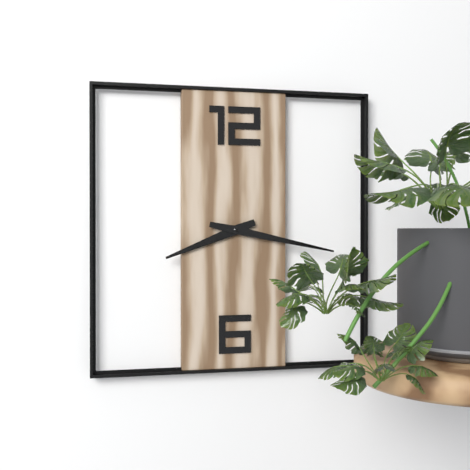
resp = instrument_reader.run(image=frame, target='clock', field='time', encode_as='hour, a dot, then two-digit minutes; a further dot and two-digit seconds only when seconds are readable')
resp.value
8.17
